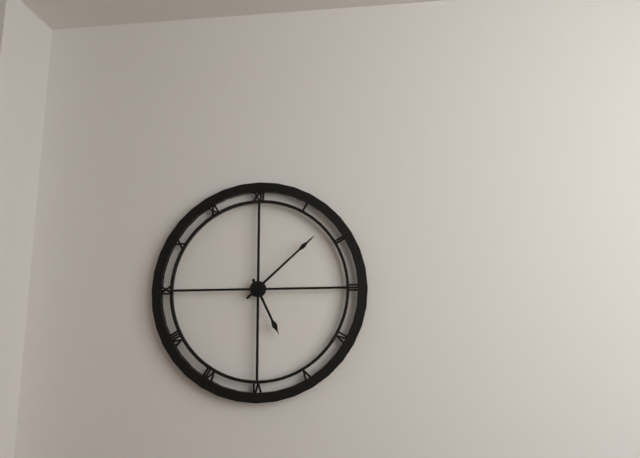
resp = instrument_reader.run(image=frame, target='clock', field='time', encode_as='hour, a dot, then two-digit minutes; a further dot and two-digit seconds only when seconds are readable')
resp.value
5.08
